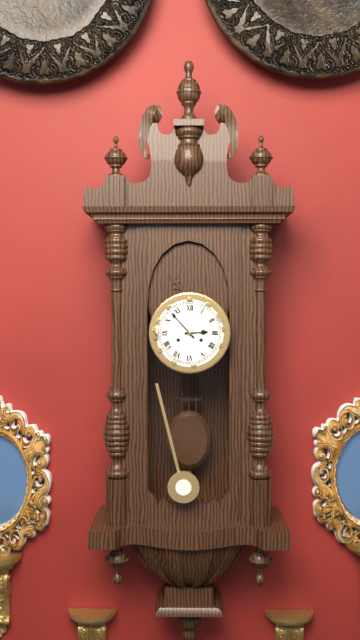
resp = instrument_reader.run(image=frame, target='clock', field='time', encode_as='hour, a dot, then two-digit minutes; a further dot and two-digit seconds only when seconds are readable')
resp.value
2.53
